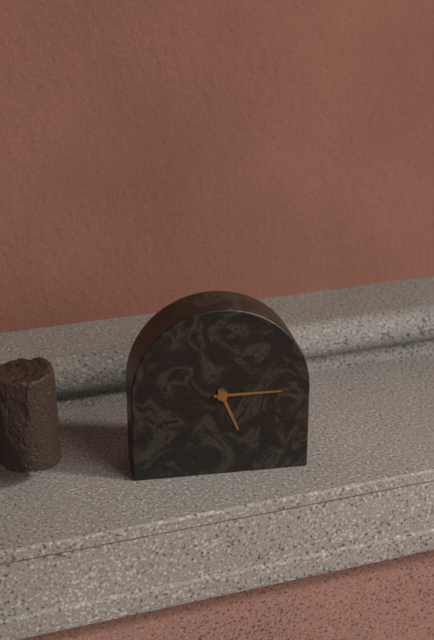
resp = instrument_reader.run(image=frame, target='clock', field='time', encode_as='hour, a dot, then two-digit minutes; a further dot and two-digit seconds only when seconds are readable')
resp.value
5.15
